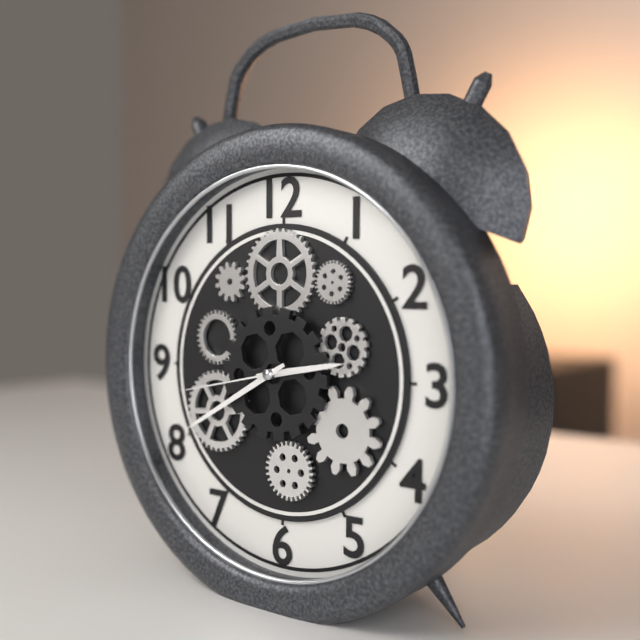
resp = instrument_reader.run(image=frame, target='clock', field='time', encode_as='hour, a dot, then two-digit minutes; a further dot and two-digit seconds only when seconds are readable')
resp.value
2.40.43
